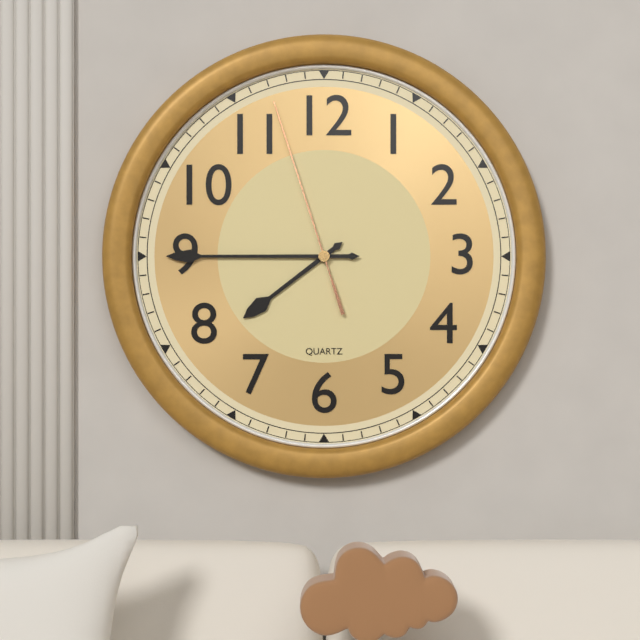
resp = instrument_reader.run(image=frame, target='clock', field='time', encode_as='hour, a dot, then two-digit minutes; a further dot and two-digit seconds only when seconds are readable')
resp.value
7.45.57
